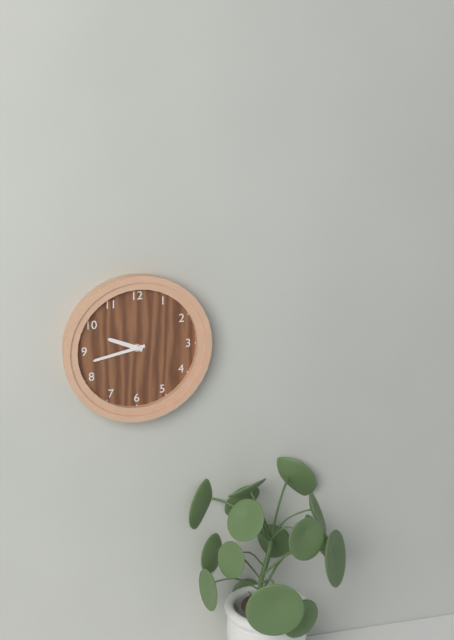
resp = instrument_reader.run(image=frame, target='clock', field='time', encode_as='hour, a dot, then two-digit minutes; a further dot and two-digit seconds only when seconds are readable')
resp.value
9.43
